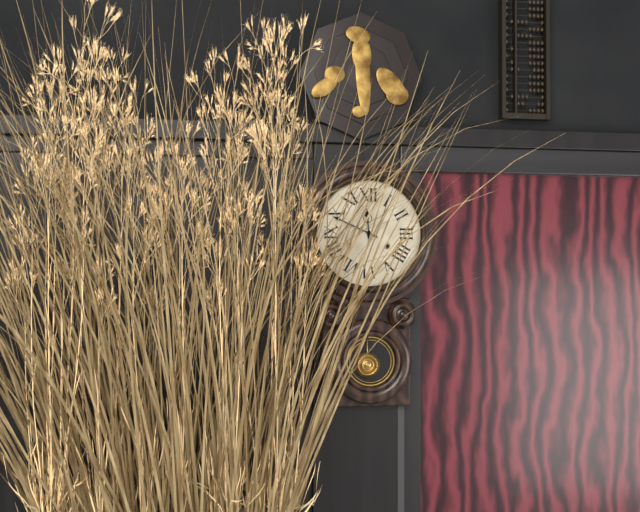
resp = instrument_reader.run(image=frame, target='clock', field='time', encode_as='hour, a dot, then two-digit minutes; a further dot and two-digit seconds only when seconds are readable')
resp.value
11.49
